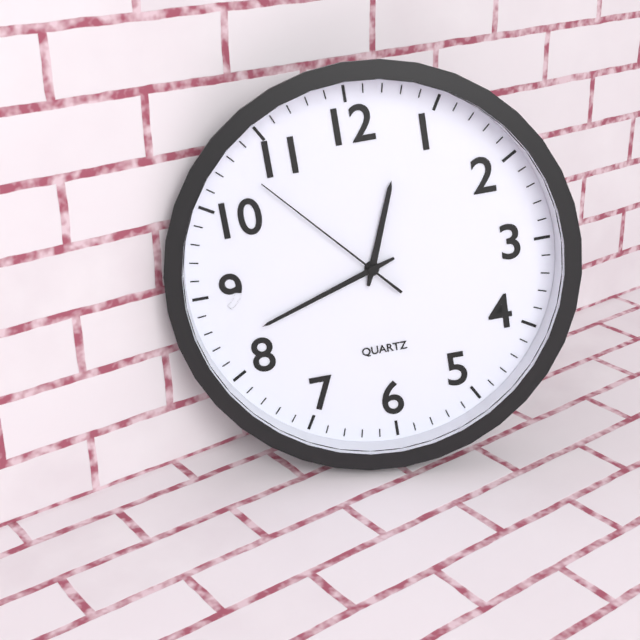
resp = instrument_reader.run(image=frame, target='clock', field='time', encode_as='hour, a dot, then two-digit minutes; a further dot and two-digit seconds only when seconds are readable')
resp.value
12.42.53
